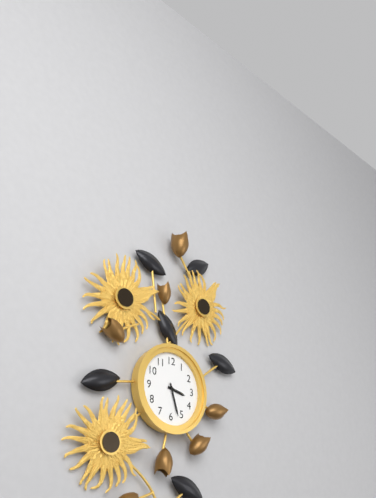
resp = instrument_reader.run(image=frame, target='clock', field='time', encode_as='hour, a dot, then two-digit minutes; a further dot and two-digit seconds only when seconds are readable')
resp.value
3.27
